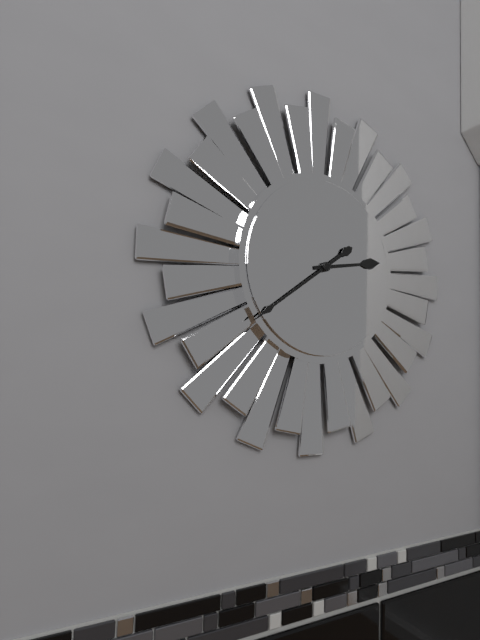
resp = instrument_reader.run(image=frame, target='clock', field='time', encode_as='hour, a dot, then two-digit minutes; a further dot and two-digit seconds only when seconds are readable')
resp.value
2.39
